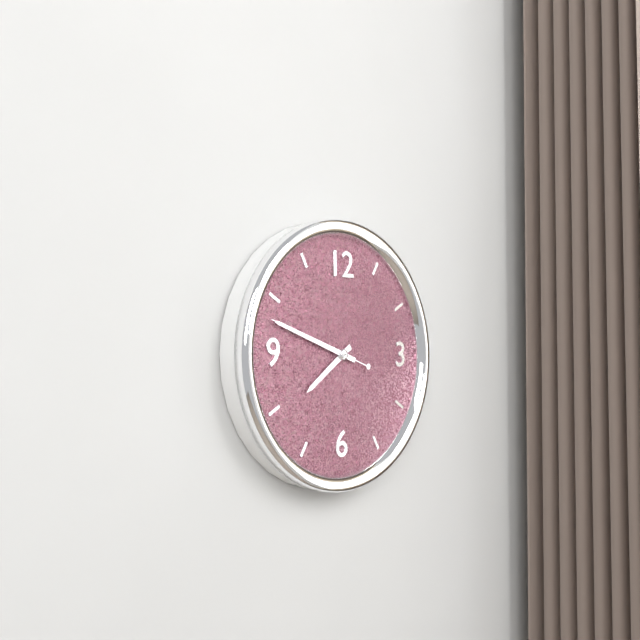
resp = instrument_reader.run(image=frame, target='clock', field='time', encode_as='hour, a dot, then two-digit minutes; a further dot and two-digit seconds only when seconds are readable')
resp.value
7.48.48
